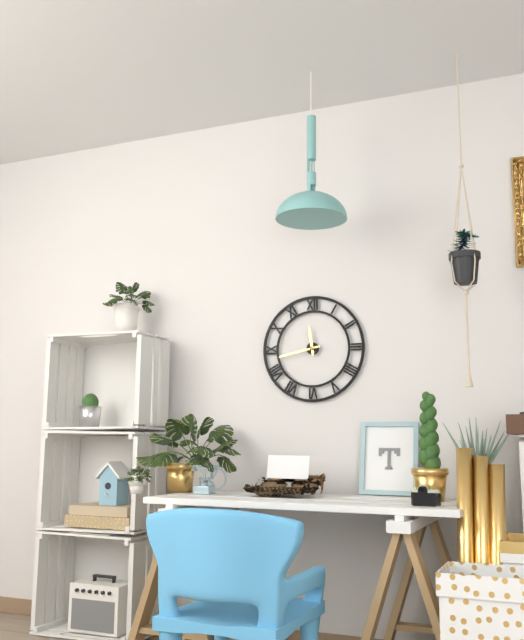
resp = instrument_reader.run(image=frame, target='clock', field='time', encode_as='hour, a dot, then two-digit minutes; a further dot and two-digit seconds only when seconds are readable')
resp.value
11.43
